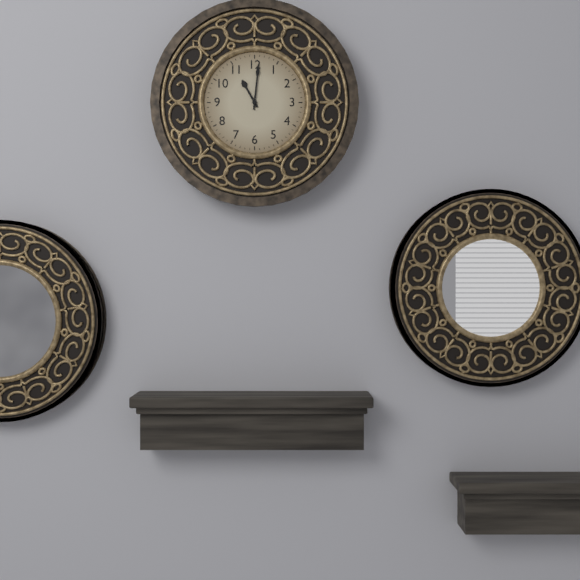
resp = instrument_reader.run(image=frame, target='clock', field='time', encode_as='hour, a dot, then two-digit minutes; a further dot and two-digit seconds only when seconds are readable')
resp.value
11.01
